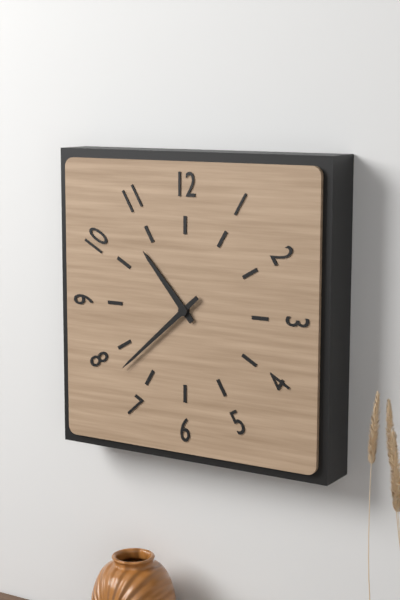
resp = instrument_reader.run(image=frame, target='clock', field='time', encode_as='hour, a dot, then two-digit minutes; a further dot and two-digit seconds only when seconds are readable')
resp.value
10.38
